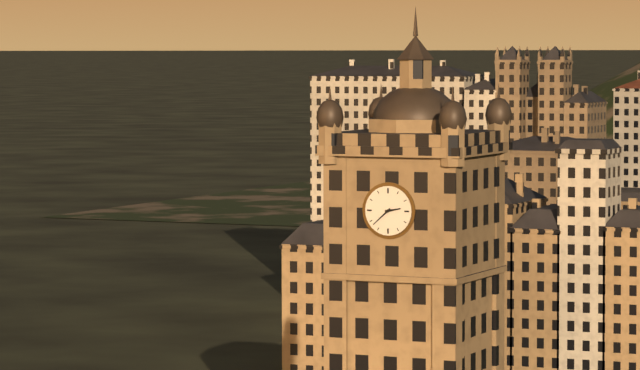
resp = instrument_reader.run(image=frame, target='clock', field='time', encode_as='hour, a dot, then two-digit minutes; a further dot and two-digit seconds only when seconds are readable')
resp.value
2.38
